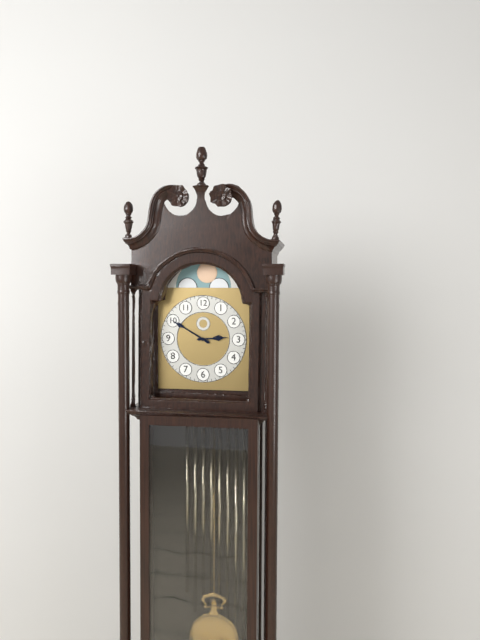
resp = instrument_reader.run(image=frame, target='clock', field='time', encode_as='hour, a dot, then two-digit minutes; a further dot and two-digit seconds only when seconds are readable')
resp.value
2.50
